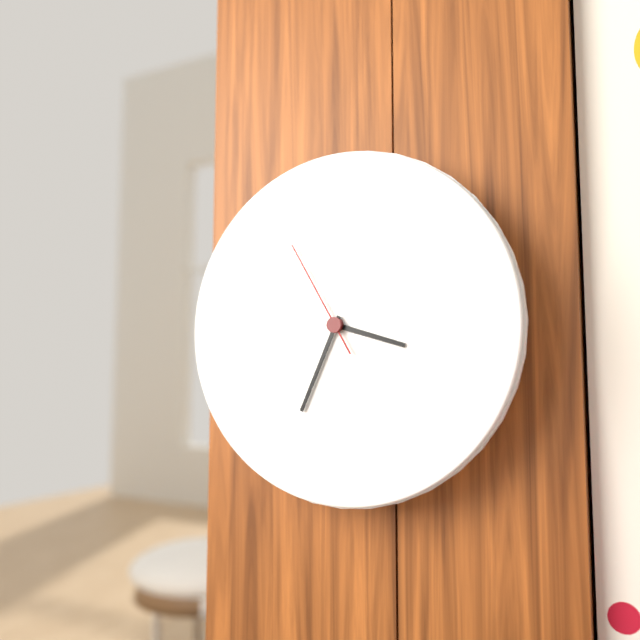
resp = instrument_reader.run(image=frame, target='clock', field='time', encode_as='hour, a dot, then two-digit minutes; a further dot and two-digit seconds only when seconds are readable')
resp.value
3.34.55
